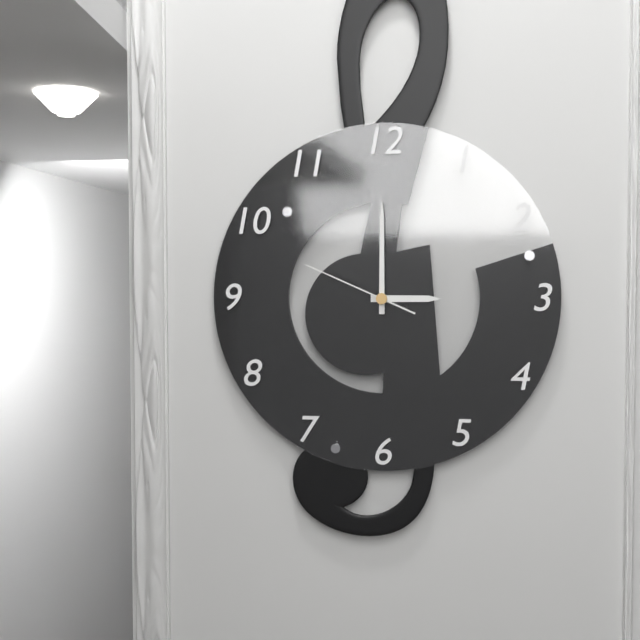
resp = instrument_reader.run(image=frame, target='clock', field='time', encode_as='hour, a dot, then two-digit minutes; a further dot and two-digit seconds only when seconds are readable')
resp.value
3.00.49
